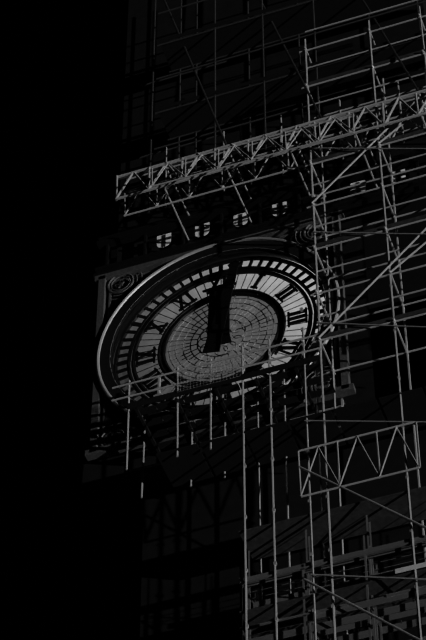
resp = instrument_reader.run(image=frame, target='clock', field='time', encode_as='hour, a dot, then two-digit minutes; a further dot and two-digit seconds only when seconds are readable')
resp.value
12.02
